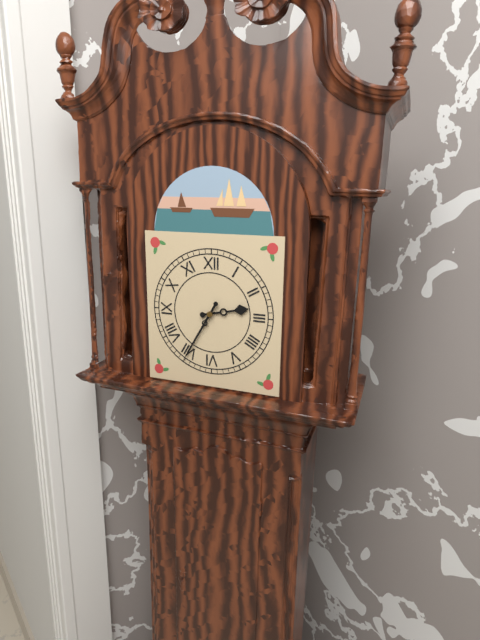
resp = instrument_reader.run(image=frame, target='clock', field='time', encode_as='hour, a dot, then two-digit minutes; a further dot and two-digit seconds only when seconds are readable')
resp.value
2.35
